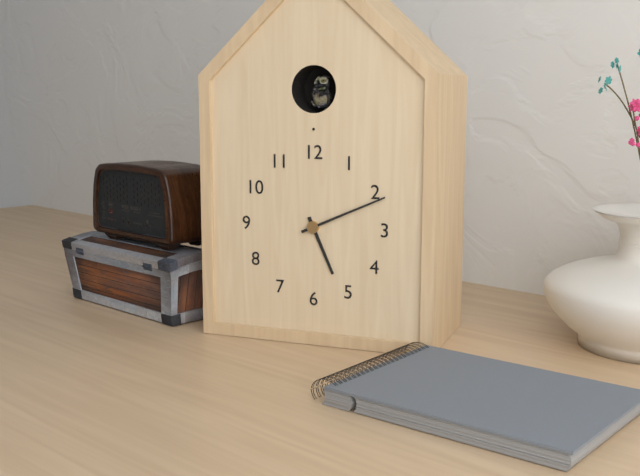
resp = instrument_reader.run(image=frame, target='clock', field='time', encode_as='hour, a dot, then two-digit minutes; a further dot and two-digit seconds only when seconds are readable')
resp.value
5.11
